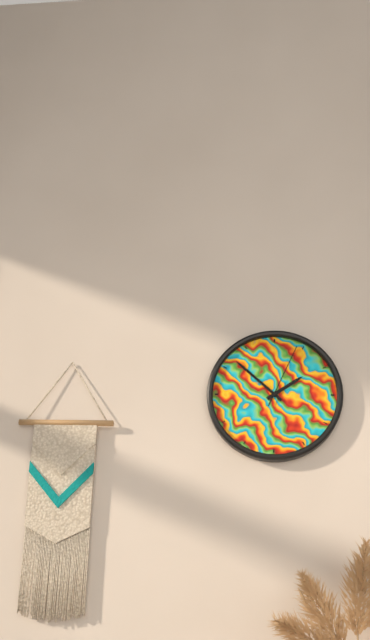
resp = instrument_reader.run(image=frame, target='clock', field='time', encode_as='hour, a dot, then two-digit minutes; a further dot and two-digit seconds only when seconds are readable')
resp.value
1.52.04
